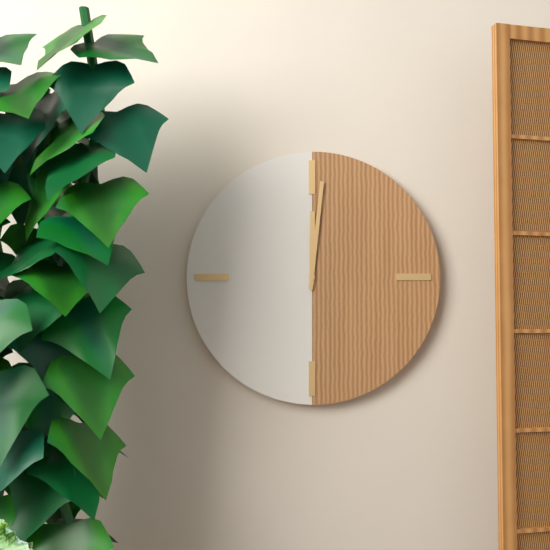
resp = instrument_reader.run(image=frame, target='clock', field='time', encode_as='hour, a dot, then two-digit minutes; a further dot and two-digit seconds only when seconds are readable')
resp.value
12.01
